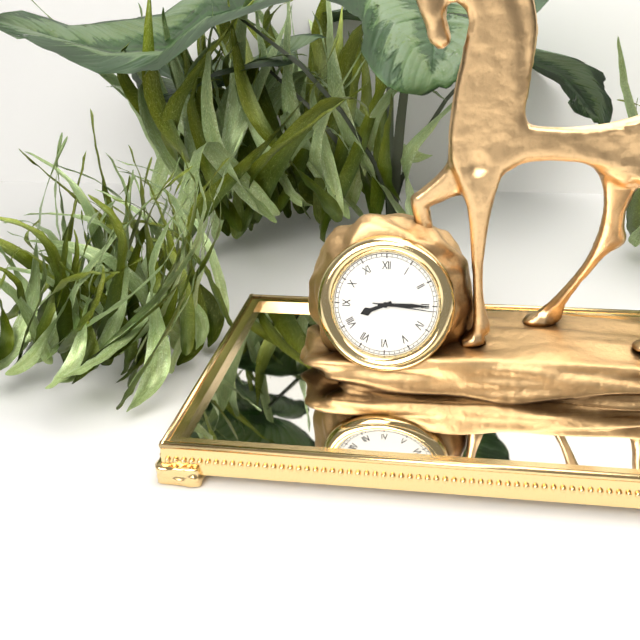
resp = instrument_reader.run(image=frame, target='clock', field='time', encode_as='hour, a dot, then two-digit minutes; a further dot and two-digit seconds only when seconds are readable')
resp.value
8.15.16
